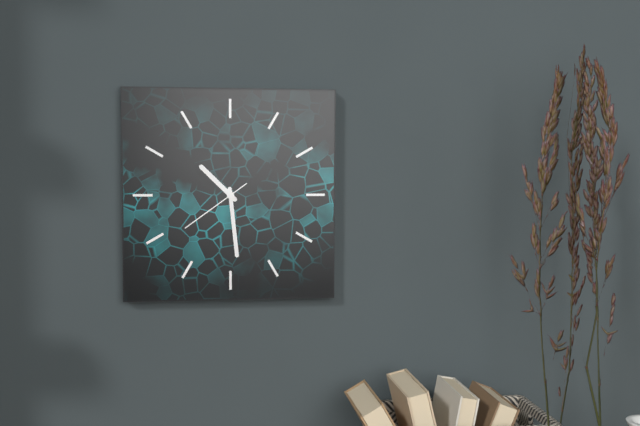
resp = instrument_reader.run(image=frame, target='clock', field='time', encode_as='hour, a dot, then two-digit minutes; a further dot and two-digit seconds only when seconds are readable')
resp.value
10.29.39
